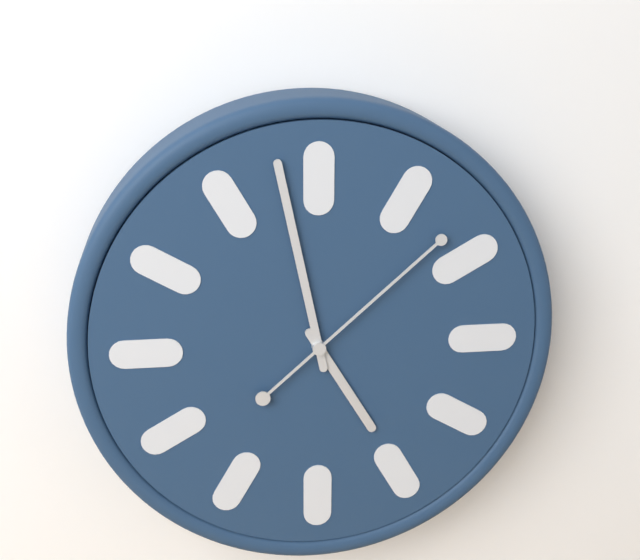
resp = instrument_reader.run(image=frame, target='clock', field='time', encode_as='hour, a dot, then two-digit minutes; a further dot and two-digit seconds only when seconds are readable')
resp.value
4.58.08
